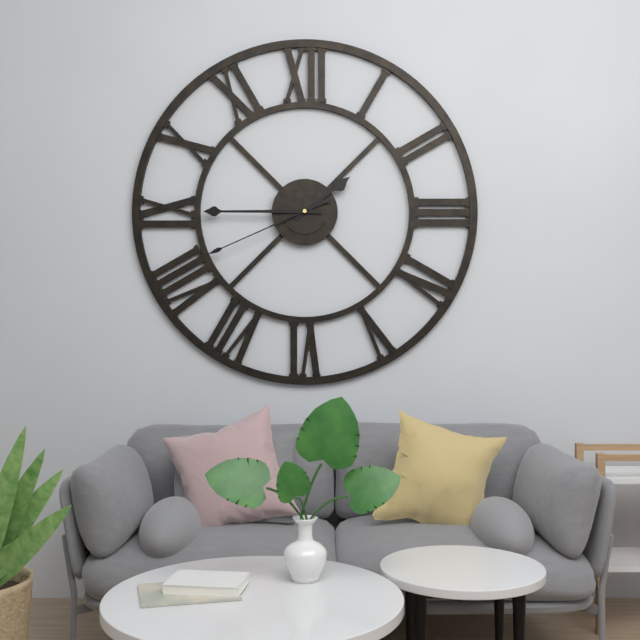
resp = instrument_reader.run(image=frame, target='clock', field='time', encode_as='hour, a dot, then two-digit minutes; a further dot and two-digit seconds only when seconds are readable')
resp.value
1.45.41
